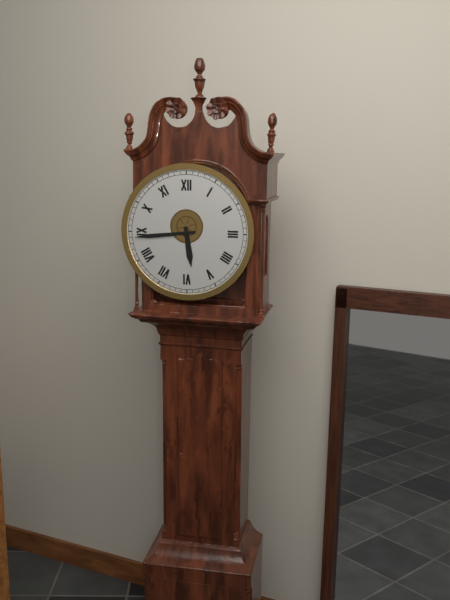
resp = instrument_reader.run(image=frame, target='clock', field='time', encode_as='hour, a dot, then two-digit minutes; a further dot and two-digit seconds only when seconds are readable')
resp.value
5.44
